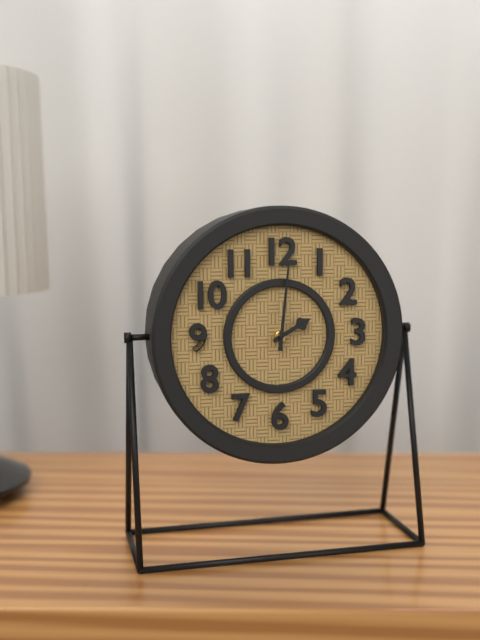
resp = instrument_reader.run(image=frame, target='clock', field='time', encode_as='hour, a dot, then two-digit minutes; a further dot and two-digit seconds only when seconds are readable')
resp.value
2.01
